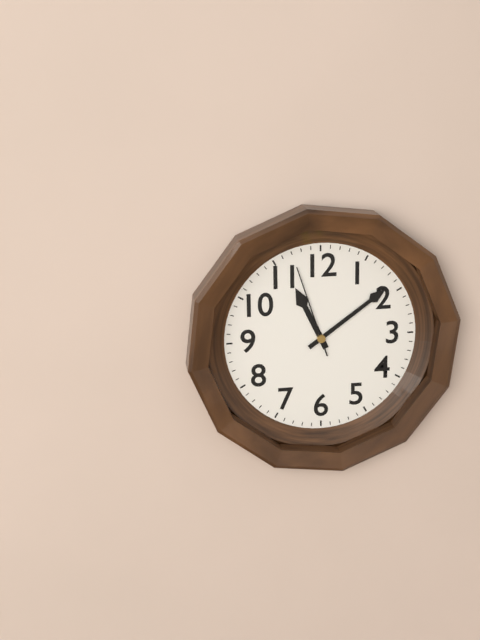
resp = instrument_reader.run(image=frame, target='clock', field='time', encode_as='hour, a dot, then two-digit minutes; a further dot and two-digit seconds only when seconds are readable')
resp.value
11.09.57
